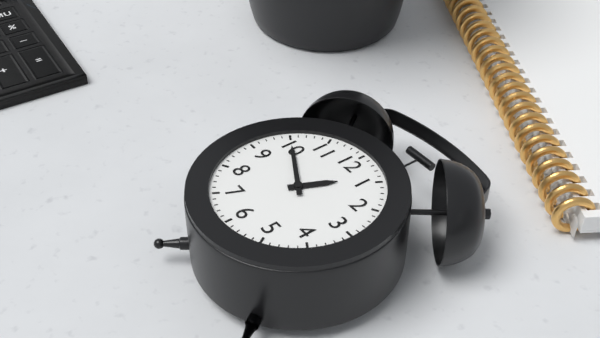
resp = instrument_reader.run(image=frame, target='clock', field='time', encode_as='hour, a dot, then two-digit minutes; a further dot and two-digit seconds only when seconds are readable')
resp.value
12.50
